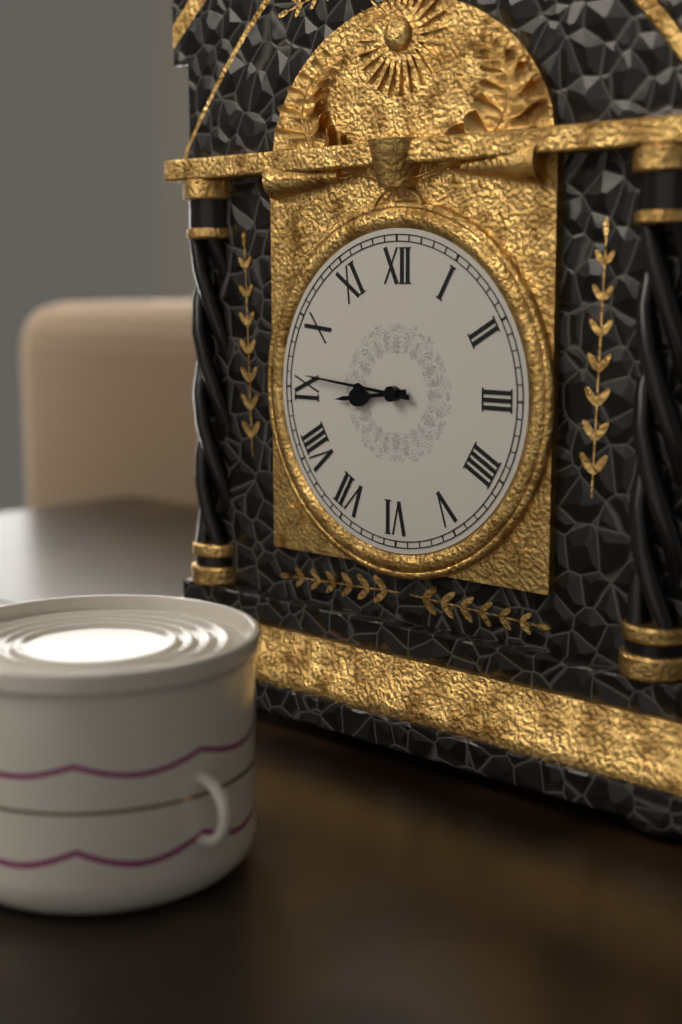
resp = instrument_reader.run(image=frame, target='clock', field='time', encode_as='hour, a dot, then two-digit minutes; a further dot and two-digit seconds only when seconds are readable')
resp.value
8.46
